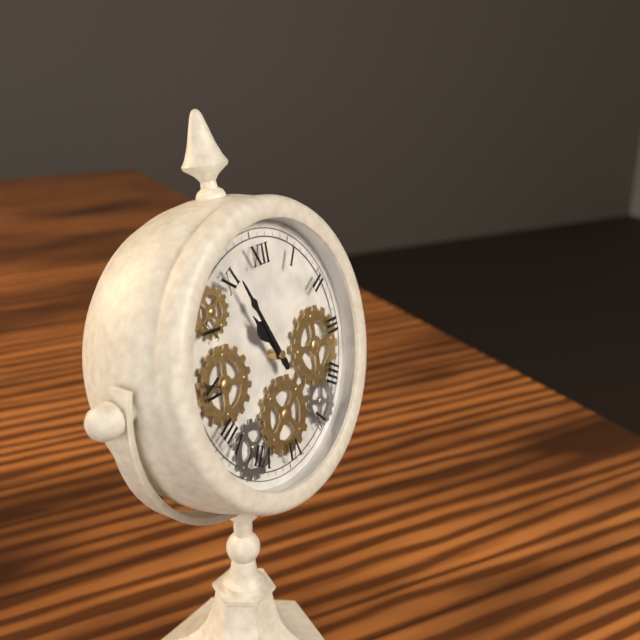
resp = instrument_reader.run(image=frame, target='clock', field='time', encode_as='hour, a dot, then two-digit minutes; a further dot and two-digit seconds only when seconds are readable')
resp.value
10.56
